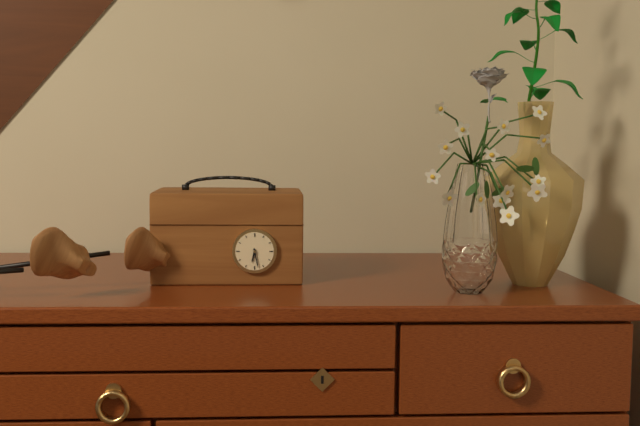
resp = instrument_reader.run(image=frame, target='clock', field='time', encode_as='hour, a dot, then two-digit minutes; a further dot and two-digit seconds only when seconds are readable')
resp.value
6.28
